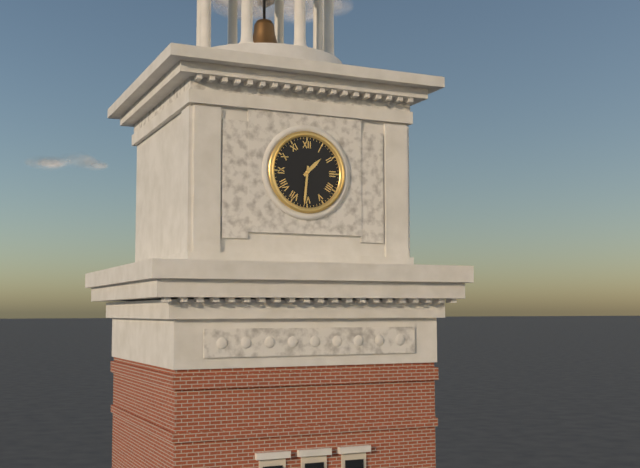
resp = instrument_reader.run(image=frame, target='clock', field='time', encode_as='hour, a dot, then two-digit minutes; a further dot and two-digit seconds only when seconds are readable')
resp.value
1.31
